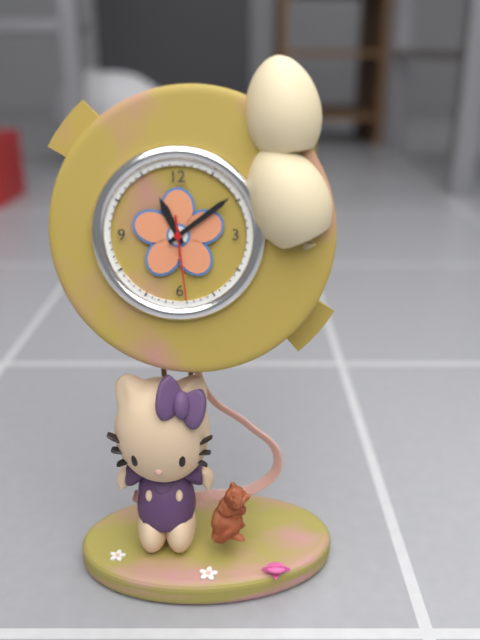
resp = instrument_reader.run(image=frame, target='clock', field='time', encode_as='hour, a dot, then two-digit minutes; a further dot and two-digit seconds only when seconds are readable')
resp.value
11.09.29
